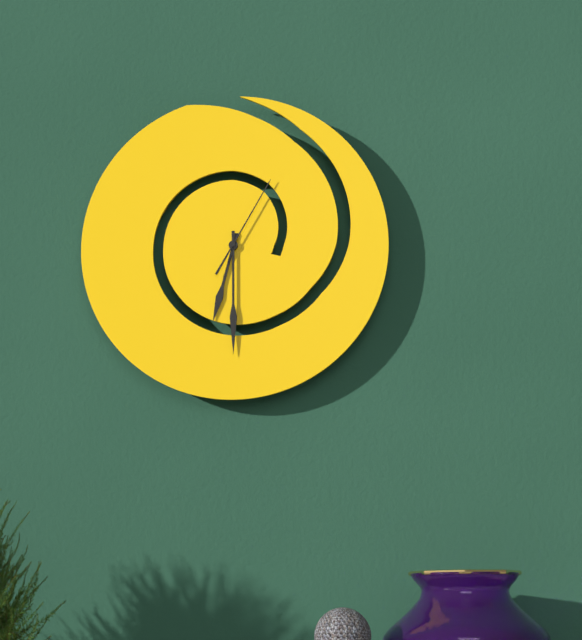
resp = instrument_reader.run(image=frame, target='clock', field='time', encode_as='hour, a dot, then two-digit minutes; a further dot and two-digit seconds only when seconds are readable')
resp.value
6.30.05
